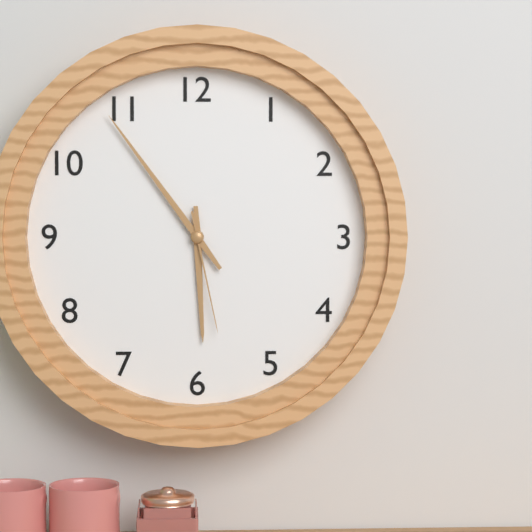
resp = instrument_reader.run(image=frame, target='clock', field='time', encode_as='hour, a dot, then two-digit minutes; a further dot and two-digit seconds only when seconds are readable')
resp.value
5.54.28
